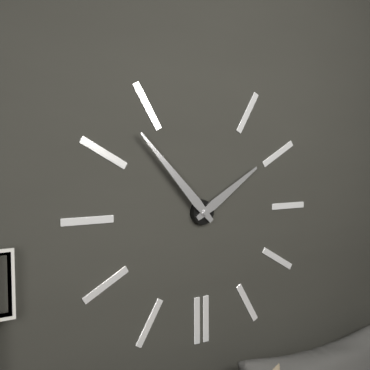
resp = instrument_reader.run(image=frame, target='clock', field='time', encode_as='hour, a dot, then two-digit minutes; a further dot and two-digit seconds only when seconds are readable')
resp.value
1.53
